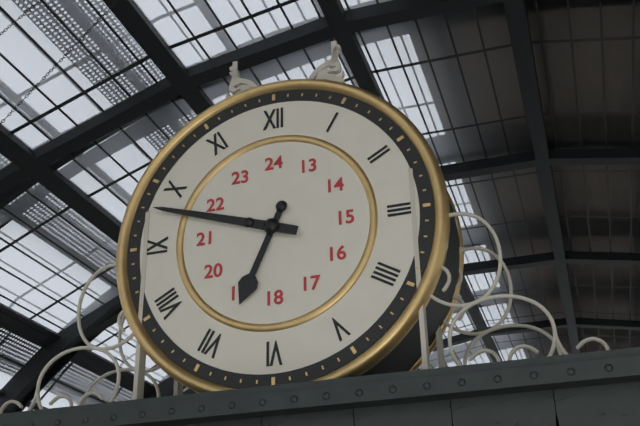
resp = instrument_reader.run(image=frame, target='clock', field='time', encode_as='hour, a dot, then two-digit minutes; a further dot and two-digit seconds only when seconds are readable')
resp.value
6.48
